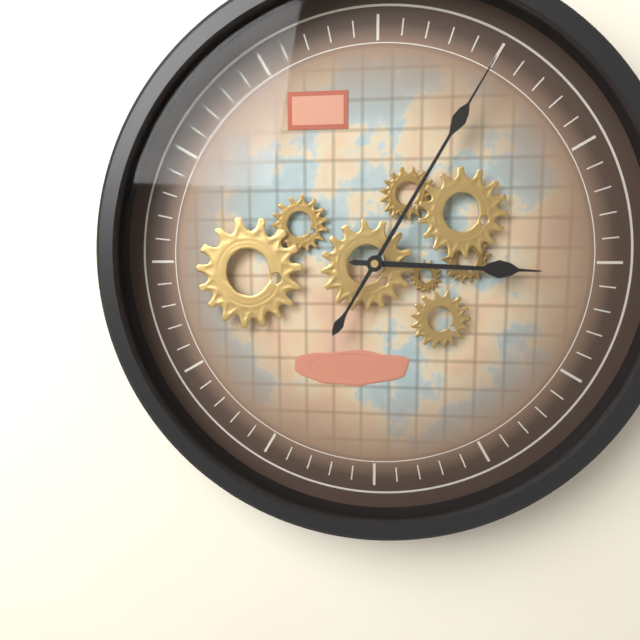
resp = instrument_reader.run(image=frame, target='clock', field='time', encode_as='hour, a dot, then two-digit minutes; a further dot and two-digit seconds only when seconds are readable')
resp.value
3.05
